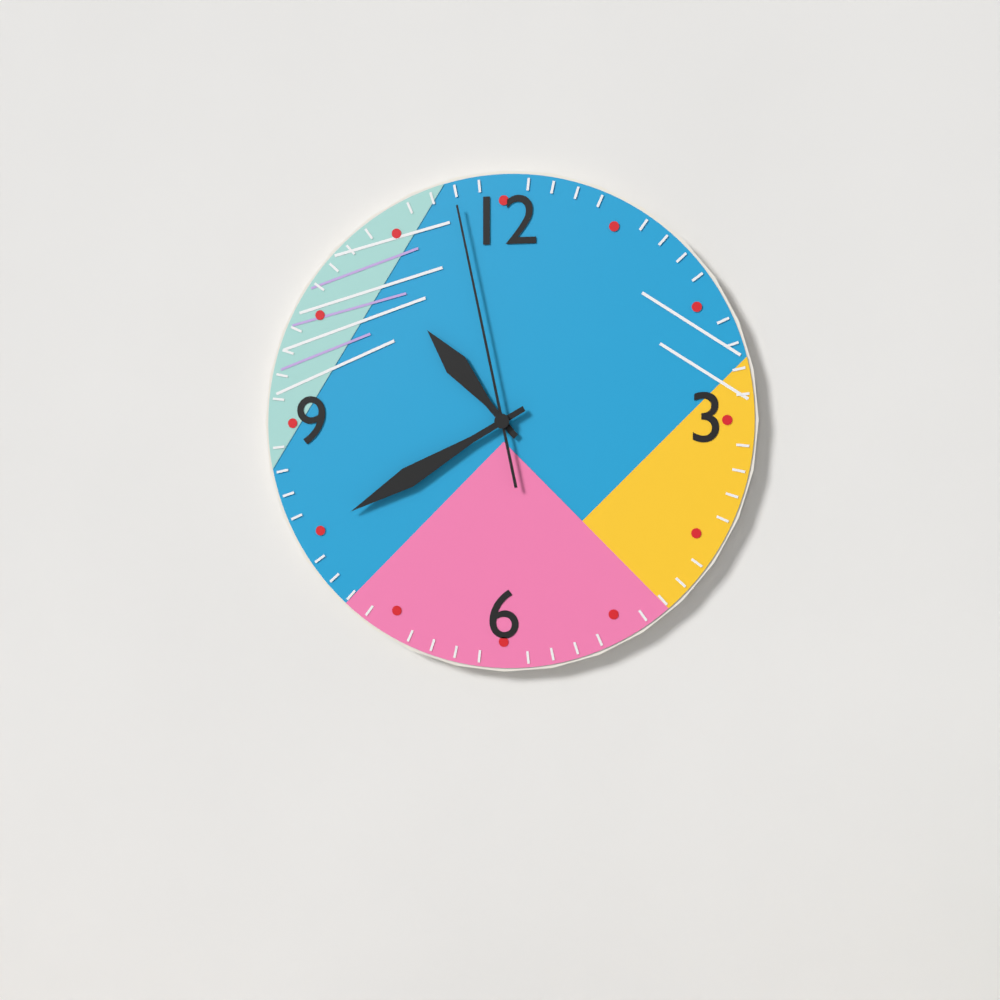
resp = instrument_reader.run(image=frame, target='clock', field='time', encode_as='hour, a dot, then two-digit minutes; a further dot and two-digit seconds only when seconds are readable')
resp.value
10.40.58
